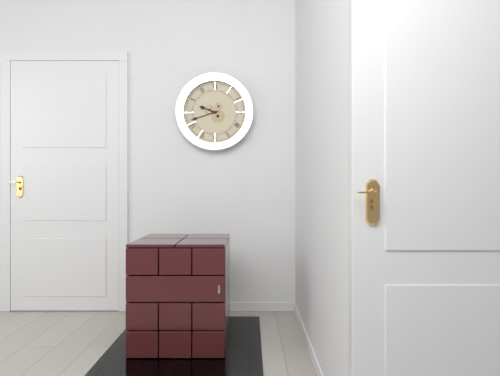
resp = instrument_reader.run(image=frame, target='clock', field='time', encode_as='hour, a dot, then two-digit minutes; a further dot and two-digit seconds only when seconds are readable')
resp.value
9.42
